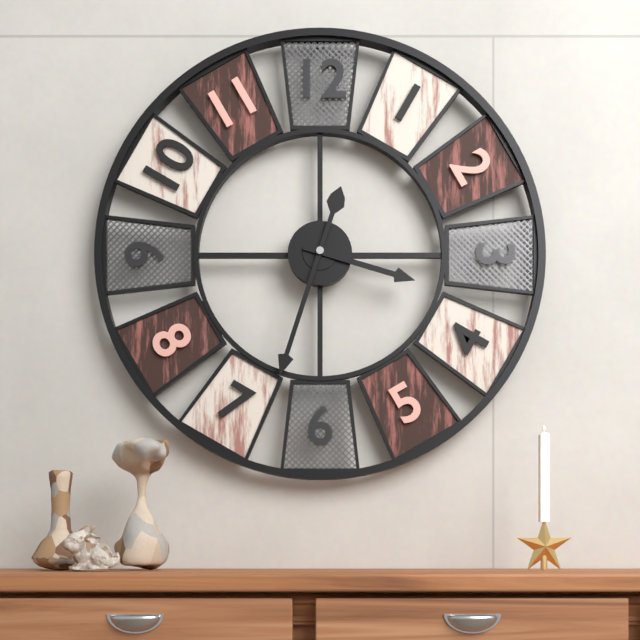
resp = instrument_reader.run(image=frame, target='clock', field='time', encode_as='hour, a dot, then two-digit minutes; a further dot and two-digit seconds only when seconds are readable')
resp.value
3.33
